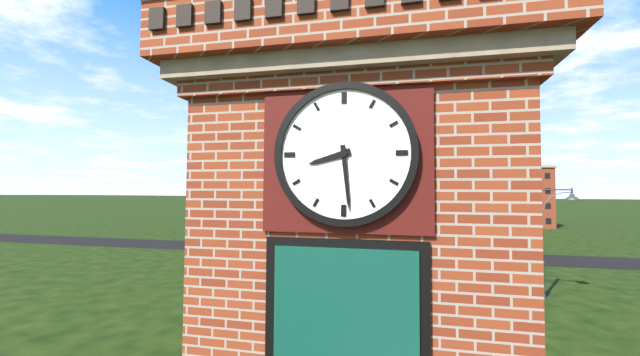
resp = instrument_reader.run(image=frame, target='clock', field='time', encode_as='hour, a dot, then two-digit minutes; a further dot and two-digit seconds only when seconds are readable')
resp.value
8.29
